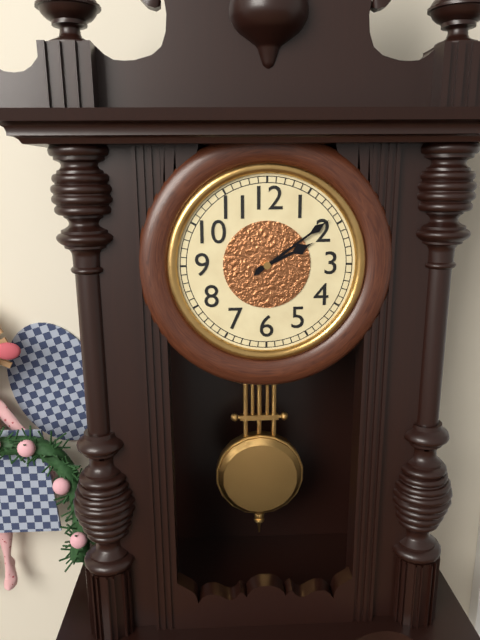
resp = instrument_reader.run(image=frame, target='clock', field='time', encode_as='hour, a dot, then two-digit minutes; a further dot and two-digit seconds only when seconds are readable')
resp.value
2.09
